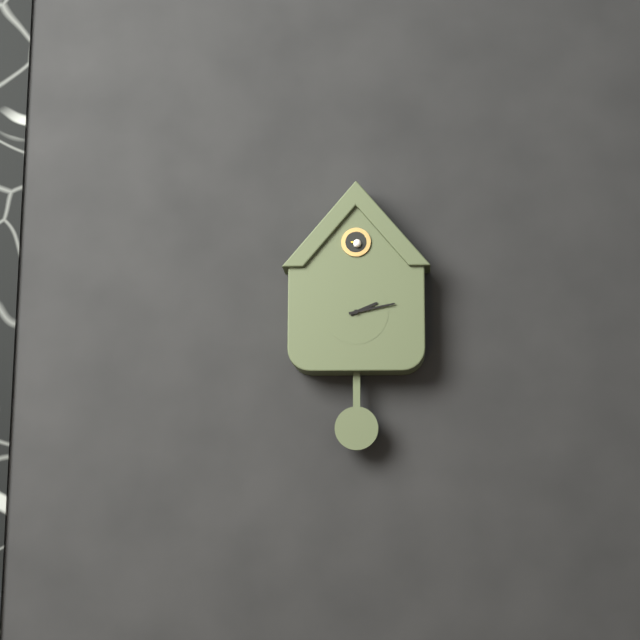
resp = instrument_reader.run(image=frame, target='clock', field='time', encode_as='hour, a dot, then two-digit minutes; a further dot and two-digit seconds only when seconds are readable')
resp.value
2.13
